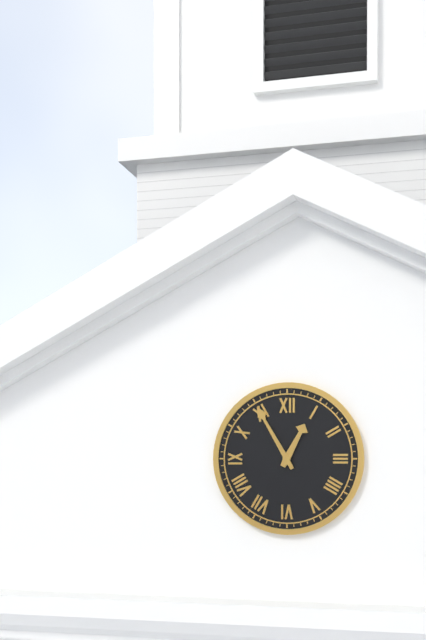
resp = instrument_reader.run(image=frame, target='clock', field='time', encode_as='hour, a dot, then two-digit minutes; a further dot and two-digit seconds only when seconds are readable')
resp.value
12.55
